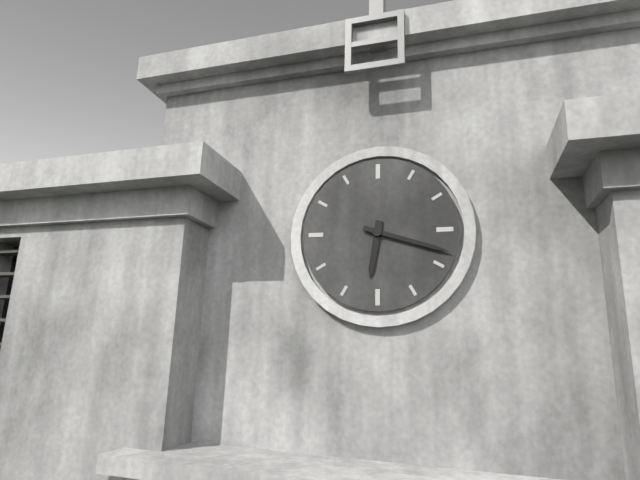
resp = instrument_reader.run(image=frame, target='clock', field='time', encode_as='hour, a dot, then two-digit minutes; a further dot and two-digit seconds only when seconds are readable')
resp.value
6.18
